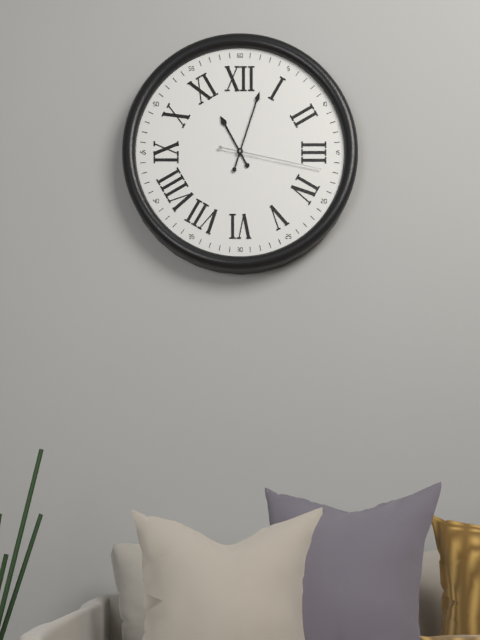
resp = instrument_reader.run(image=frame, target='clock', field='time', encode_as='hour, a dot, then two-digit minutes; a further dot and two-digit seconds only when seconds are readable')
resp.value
11.03.17
